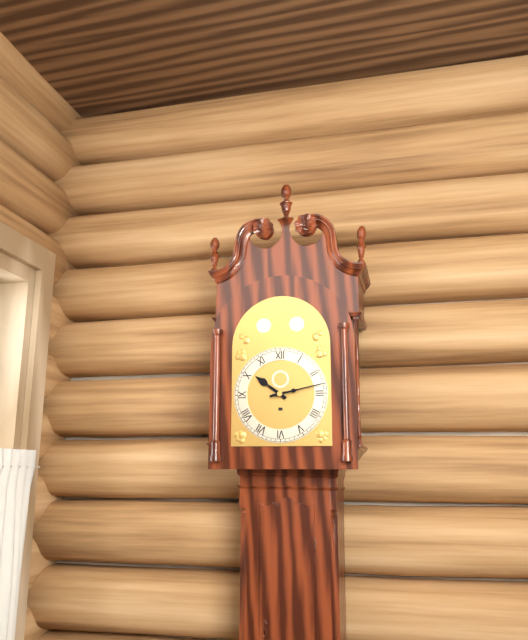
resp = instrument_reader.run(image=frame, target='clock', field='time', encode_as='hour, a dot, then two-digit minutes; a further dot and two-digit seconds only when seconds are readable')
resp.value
10.13
